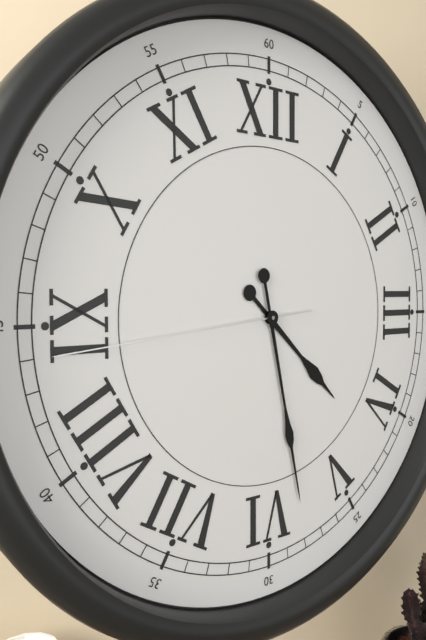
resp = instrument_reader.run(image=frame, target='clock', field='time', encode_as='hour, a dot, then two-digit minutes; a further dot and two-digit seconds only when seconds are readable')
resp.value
4.28.44
